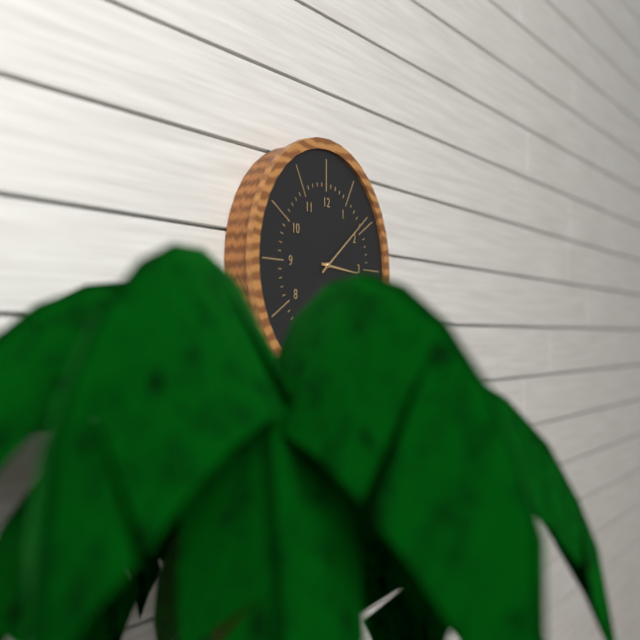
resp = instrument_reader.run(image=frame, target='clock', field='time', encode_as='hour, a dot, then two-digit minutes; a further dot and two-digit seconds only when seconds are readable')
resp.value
3.09
